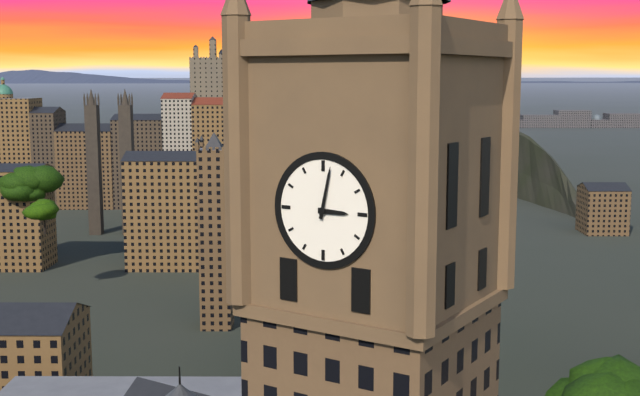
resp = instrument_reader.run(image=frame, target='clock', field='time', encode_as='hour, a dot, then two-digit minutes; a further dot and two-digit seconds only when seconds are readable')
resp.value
3.02
